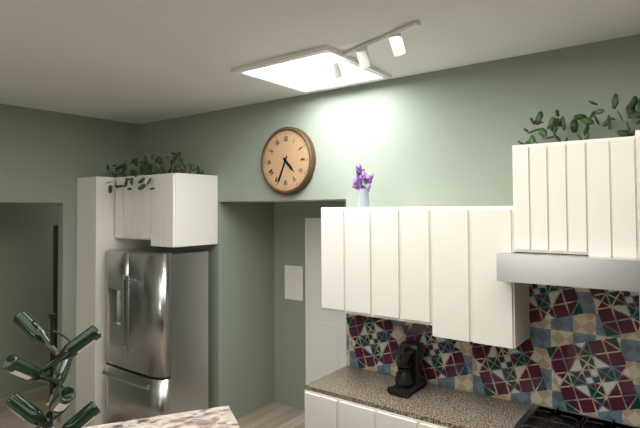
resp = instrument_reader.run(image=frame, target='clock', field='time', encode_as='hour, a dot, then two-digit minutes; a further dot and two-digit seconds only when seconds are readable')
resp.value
4.34
